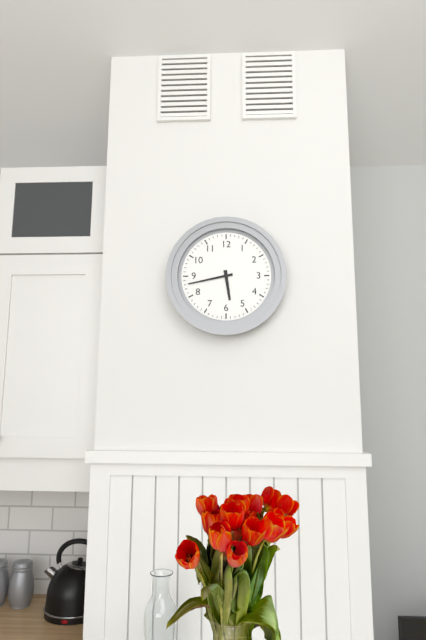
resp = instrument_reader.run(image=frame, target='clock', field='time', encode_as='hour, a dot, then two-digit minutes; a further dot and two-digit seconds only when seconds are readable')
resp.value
5.43
